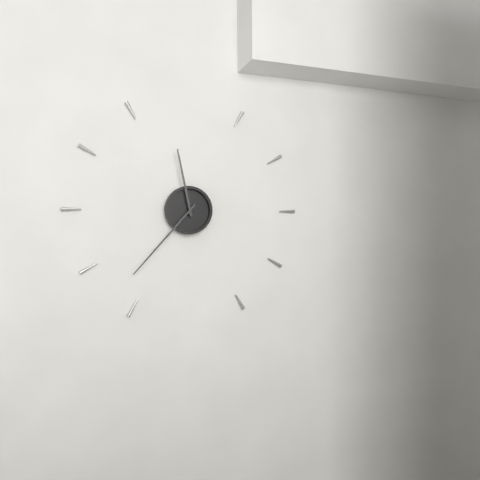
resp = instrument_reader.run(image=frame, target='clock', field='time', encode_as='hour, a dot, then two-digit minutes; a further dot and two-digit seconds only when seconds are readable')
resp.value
11.37
